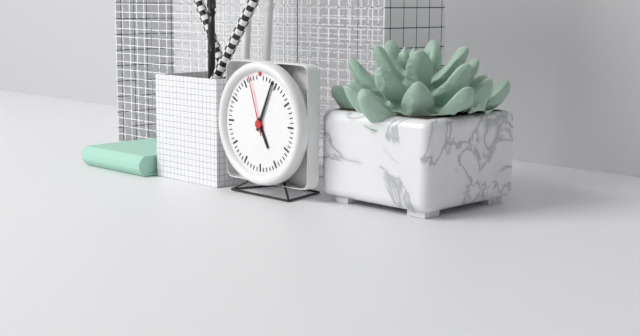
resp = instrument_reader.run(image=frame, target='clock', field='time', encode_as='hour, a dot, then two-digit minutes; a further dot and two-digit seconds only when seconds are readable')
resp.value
5.04.57
